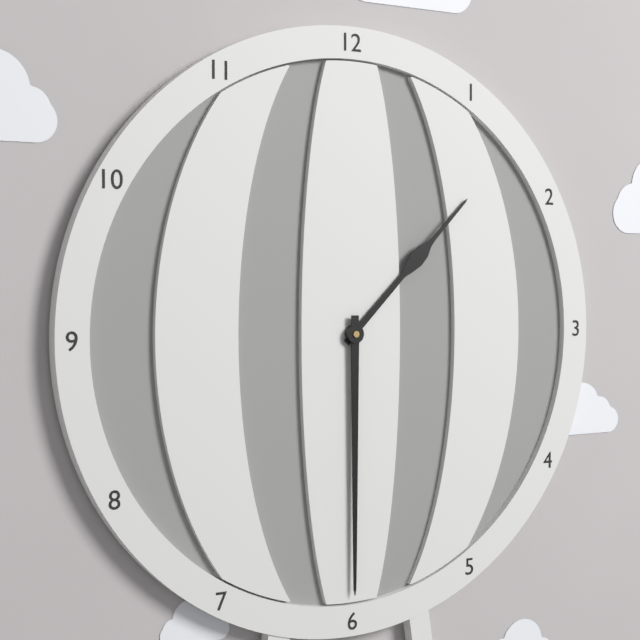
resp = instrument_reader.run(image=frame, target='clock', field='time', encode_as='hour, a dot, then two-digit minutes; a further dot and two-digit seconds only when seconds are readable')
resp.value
1.30
